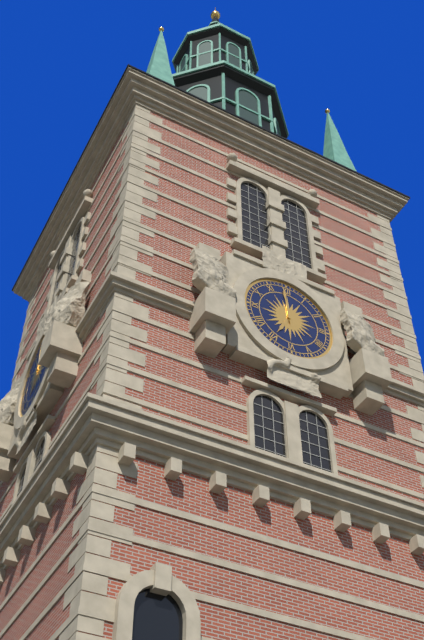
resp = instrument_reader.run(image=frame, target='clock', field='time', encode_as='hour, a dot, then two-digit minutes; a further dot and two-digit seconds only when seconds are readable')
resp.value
6.59
